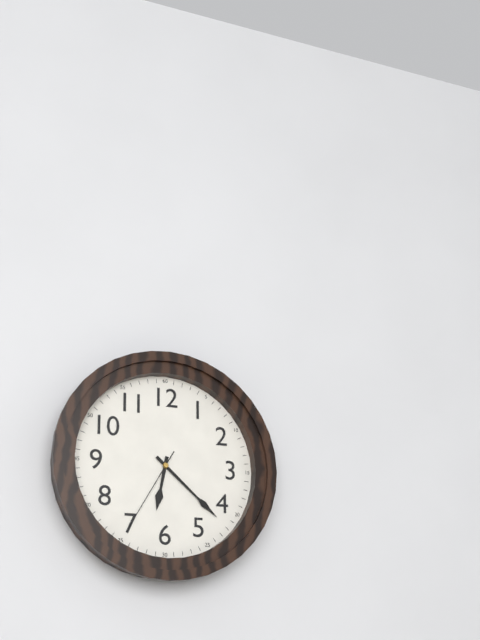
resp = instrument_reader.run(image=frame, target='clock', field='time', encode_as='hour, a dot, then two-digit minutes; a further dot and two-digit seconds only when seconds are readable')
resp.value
6.22.35
